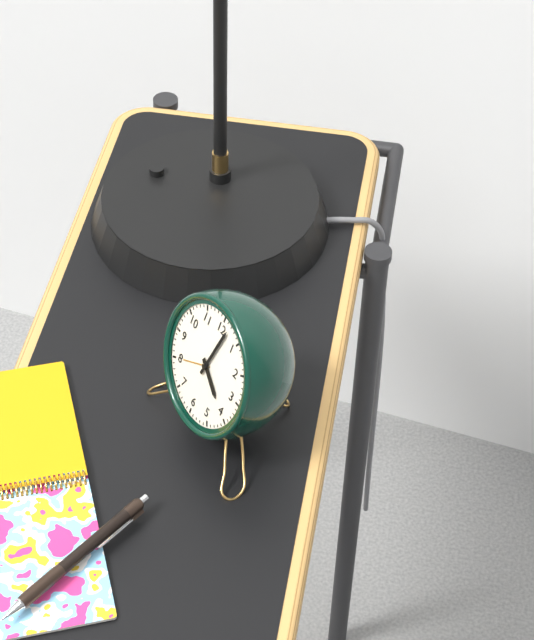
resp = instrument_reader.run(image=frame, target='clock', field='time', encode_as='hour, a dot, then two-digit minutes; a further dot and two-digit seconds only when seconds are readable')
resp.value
4.02
